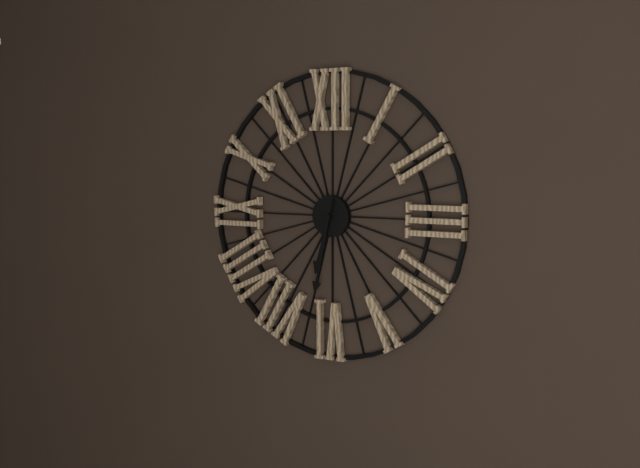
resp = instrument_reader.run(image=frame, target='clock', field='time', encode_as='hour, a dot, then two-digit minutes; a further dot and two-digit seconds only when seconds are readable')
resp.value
6.32
